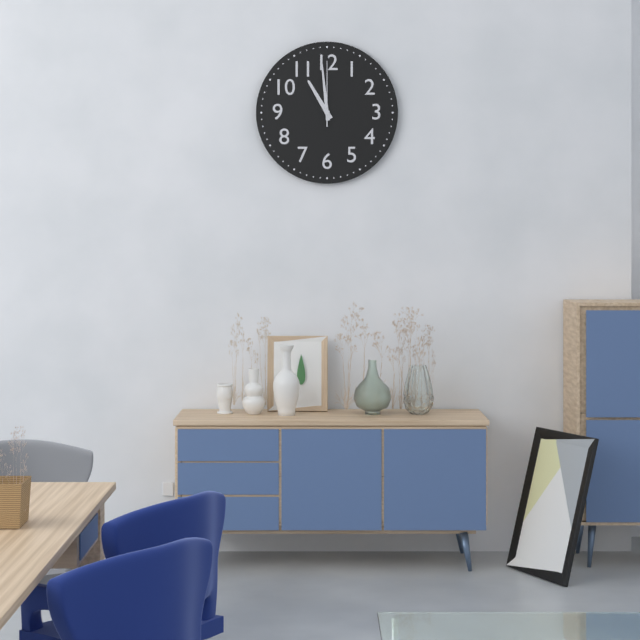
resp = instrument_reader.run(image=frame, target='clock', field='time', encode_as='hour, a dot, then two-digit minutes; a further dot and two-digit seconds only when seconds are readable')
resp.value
10.59.00
